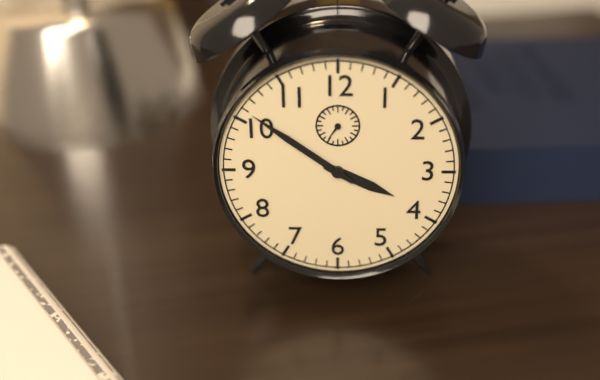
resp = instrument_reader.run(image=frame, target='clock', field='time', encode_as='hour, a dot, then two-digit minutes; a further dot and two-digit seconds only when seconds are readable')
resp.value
3.51
